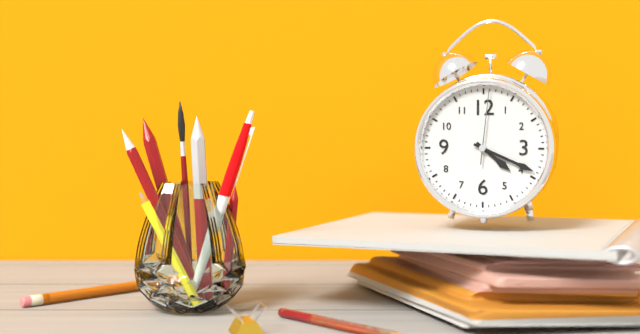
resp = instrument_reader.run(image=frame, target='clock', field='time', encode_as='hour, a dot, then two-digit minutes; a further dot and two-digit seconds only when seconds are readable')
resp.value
4.19.01
